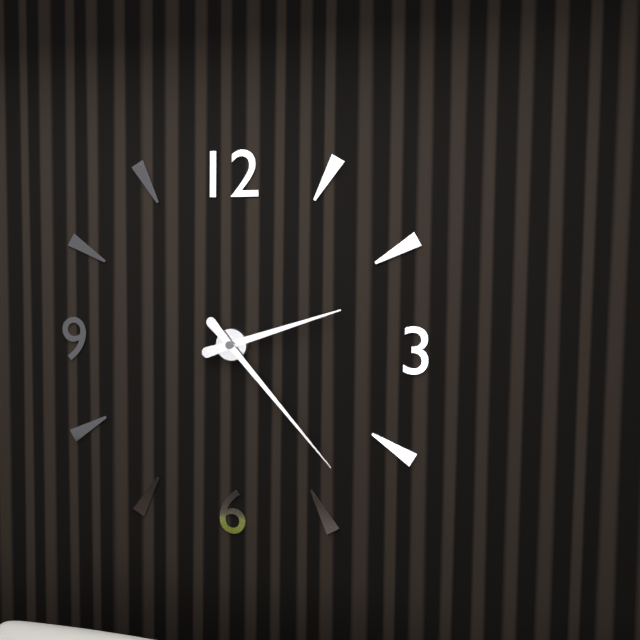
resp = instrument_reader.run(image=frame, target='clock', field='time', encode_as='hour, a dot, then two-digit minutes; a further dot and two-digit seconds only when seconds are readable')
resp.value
2.23
